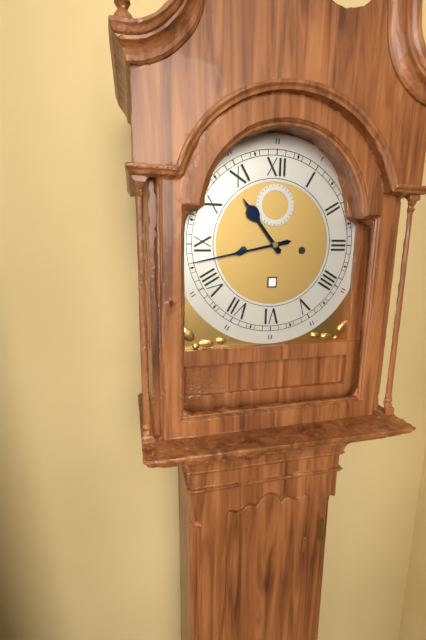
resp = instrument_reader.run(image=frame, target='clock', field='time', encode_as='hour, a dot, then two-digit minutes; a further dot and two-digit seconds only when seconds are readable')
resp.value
10.43
